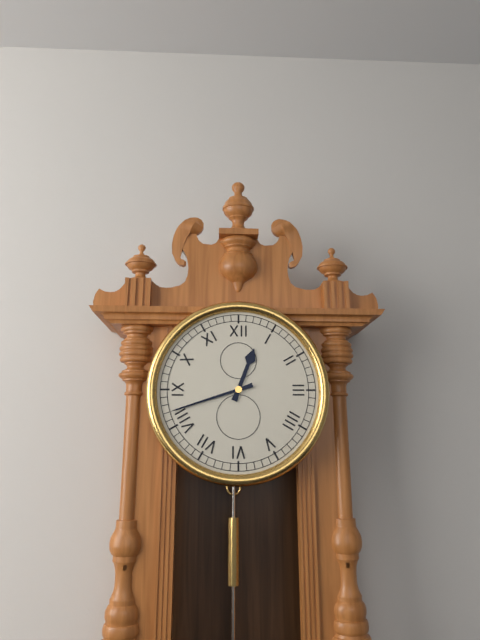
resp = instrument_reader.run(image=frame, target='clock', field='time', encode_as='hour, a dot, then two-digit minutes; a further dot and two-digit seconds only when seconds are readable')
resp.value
12.42
